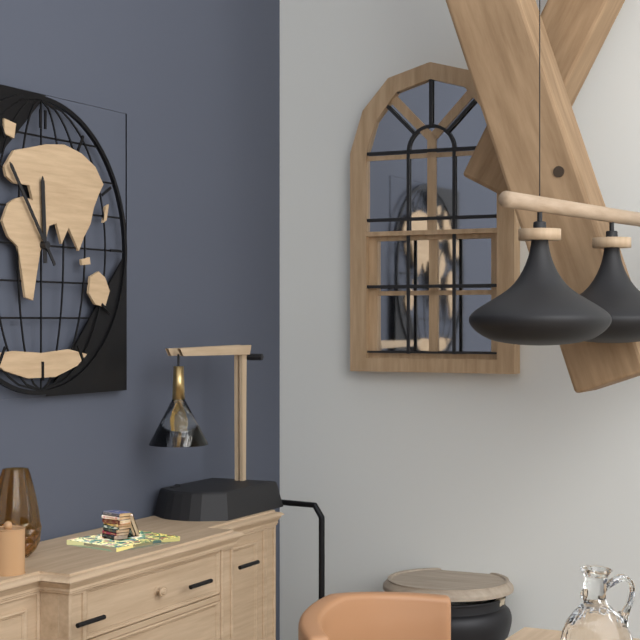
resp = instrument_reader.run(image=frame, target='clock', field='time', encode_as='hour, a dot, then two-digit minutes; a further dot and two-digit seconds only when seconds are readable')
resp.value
11.54
